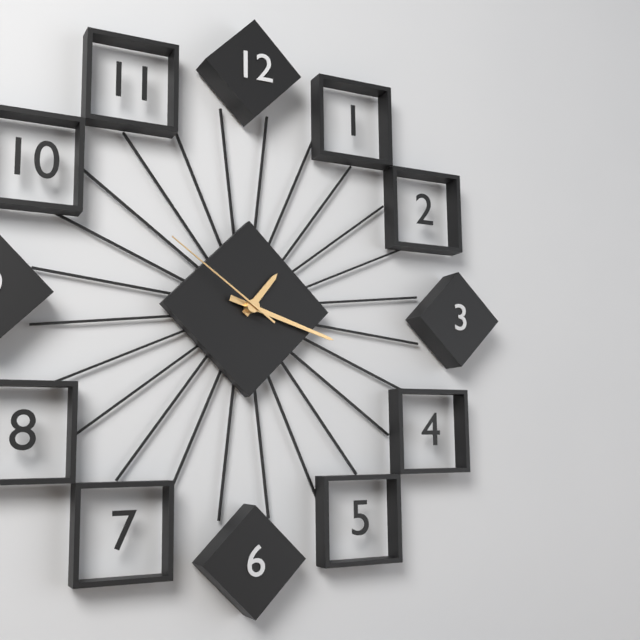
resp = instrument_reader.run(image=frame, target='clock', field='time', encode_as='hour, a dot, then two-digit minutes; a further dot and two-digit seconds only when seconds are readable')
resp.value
1.18.51
